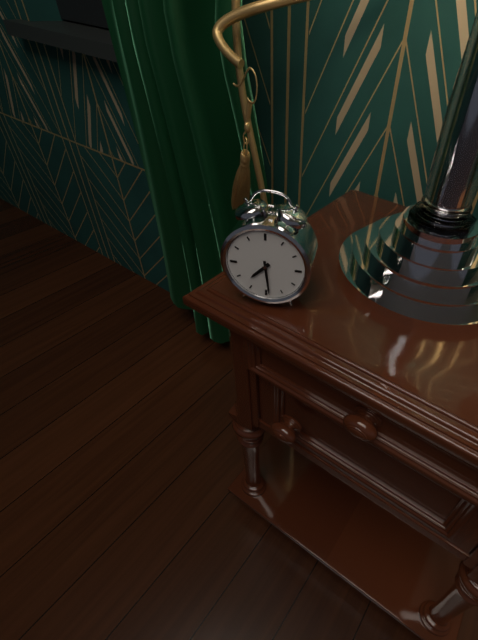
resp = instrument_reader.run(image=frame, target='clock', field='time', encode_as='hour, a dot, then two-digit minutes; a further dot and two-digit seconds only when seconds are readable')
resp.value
7.29
